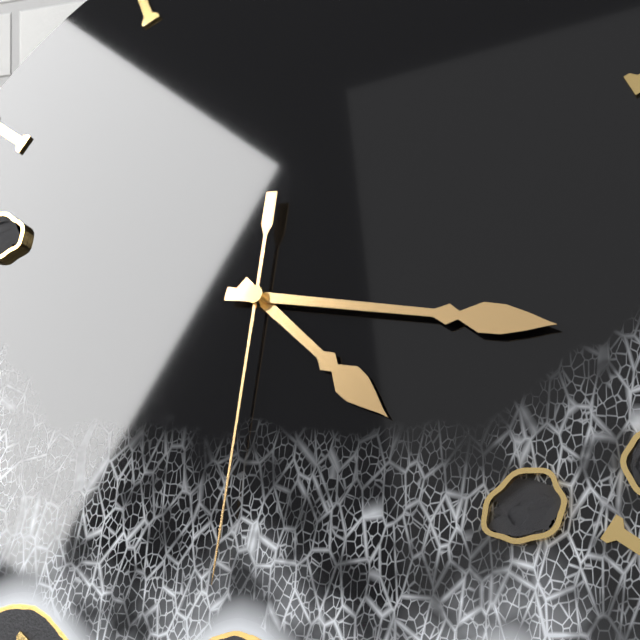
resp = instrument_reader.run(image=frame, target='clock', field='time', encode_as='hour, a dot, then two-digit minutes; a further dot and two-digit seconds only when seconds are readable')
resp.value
4.16.30
